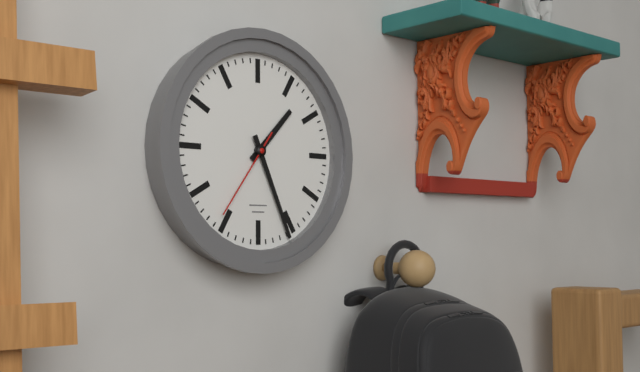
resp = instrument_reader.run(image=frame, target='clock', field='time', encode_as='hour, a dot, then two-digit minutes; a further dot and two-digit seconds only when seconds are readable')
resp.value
1.26.36
